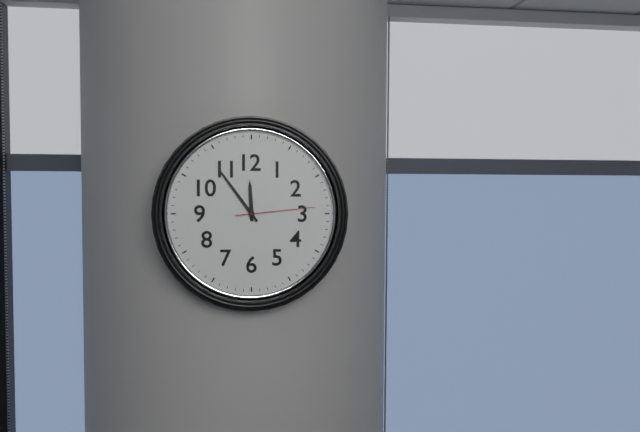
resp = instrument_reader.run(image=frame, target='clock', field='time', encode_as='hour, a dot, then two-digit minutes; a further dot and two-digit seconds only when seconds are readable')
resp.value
11.54.14
